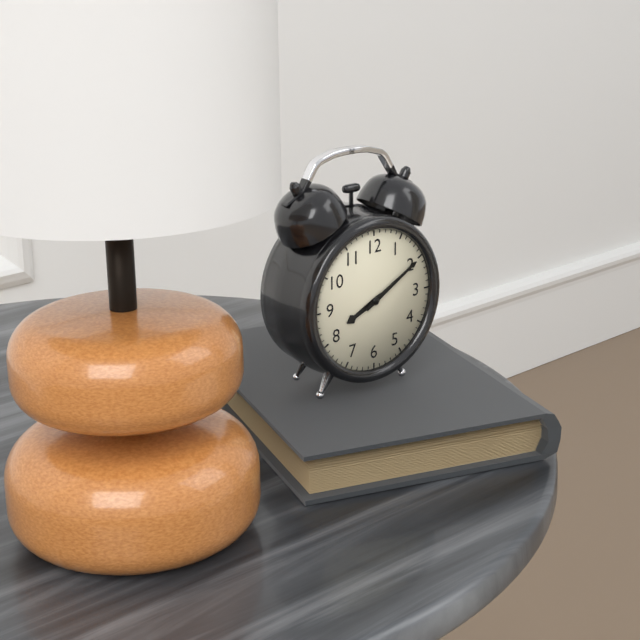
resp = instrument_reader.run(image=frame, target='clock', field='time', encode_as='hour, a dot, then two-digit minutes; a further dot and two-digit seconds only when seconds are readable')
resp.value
8.10
